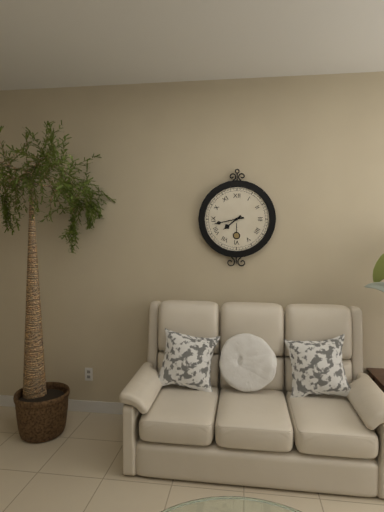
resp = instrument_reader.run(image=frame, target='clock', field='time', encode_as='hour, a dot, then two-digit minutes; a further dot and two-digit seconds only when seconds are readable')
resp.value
7.43
